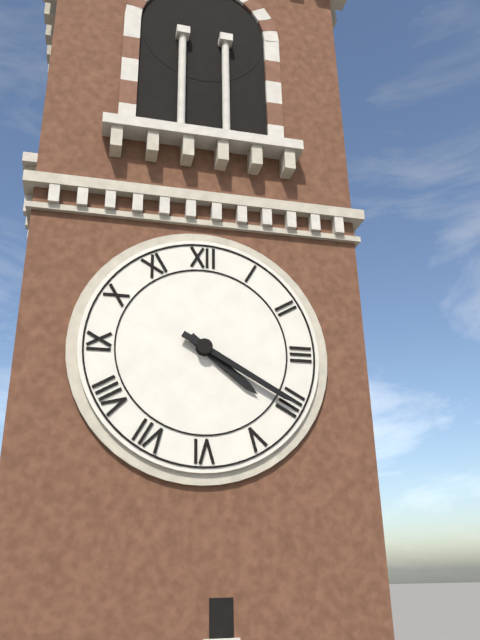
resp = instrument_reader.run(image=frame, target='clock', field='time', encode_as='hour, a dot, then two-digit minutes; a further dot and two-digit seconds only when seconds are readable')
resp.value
4.20
